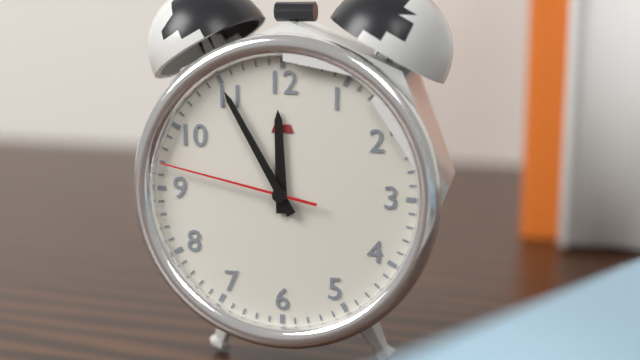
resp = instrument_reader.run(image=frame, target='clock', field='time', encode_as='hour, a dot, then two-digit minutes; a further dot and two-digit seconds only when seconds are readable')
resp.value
11.55.47
